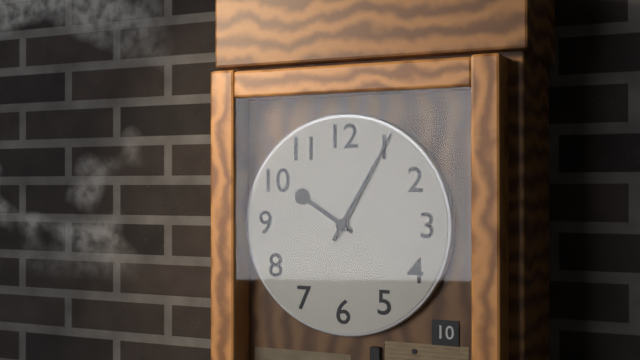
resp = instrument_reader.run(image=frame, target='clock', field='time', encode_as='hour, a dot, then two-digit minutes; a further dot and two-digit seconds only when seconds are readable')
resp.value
10.05
